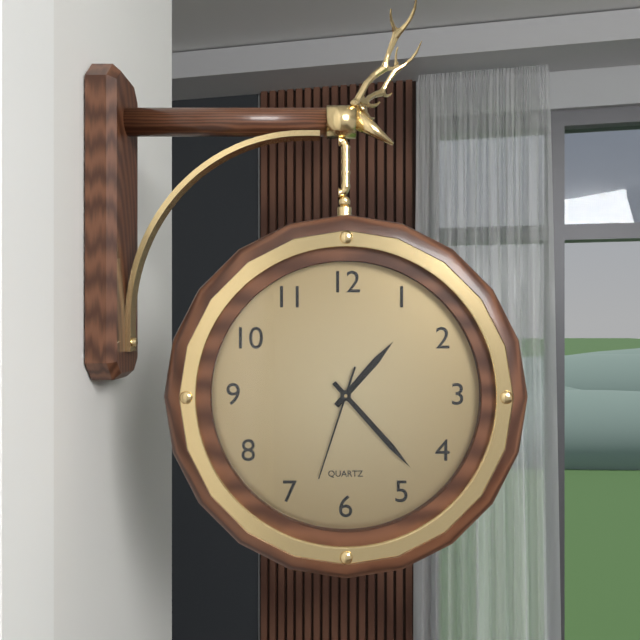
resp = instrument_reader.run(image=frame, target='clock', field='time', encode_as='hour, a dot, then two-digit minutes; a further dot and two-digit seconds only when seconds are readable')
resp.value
1.23.33
